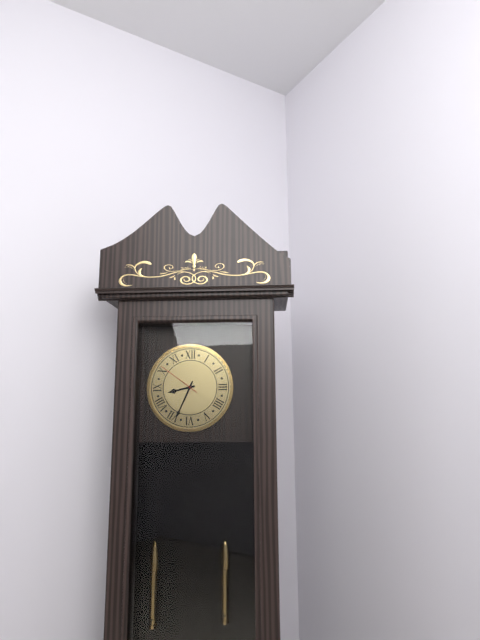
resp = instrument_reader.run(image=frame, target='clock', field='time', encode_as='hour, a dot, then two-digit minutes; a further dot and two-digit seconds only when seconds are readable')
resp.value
8.34
